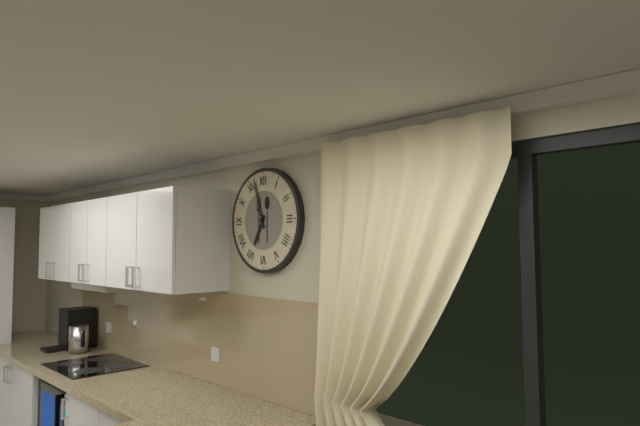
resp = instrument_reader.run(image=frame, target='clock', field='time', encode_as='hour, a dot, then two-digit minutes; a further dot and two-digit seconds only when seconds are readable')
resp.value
6.57
